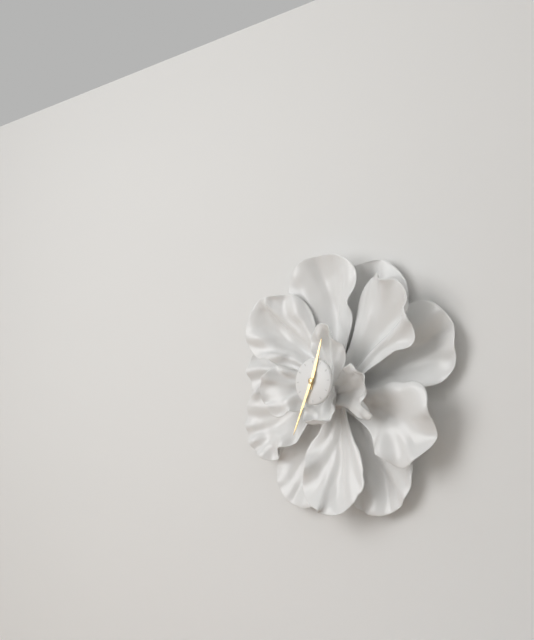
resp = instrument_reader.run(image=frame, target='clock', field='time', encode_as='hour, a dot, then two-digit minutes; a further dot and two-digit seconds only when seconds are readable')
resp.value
12.34
